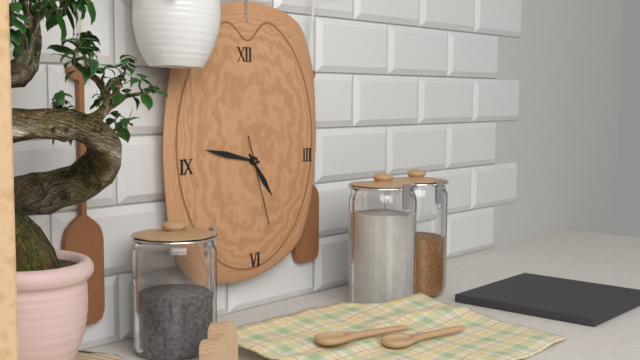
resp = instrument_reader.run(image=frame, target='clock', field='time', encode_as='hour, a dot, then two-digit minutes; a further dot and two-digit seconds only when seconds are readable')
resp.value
4.47.27
